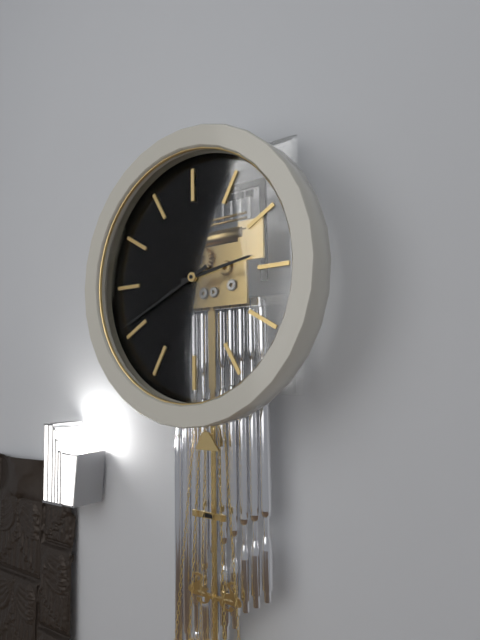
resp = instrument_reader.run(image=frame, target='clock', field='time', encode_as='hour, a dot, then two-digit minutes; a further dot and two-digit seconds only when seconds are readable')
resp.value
2.41
